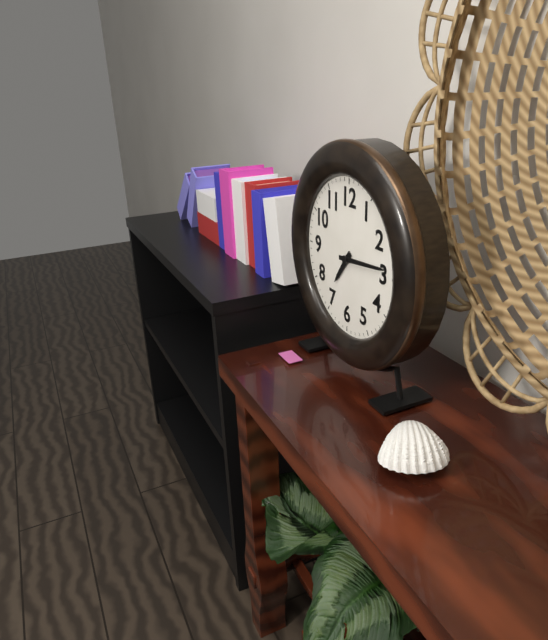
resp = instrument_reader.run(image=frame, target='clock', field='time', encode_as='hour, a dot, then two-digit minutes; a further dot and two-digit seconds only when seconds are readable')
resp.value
7.14
